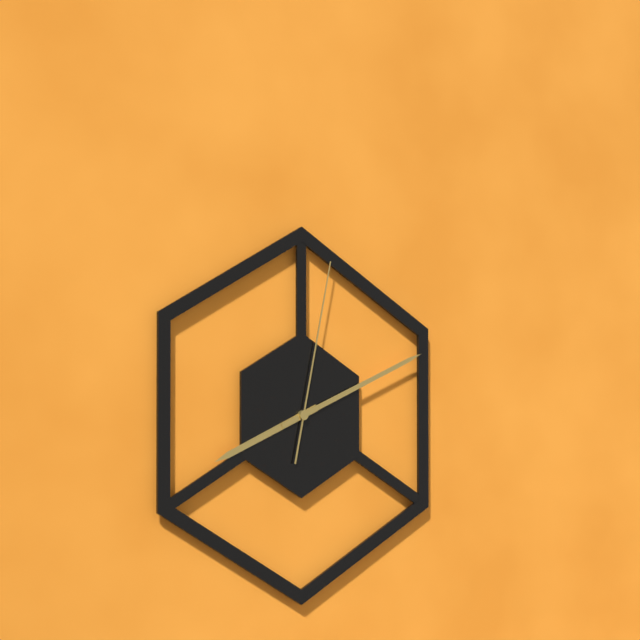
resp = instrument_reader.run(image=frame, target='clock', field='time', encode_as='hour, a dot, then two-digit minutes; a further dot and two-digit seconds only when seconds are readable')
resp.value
8.11.02
